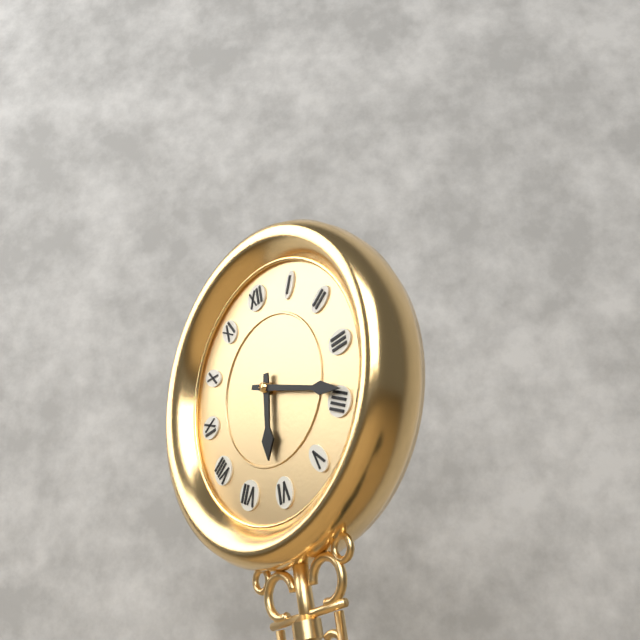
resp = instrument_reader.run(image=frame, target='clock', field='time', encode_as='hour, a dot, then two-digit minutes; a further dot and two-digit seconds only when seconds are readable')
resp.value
6.19
